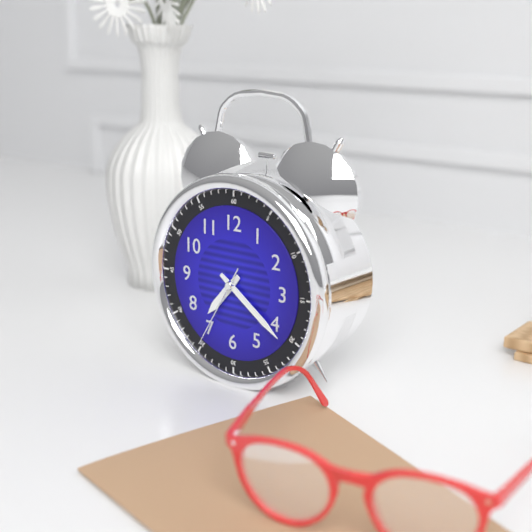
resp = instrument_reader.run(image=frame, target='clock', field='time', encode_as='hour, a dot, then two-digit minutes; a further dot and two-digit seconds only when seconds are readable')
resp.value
7.21.35
